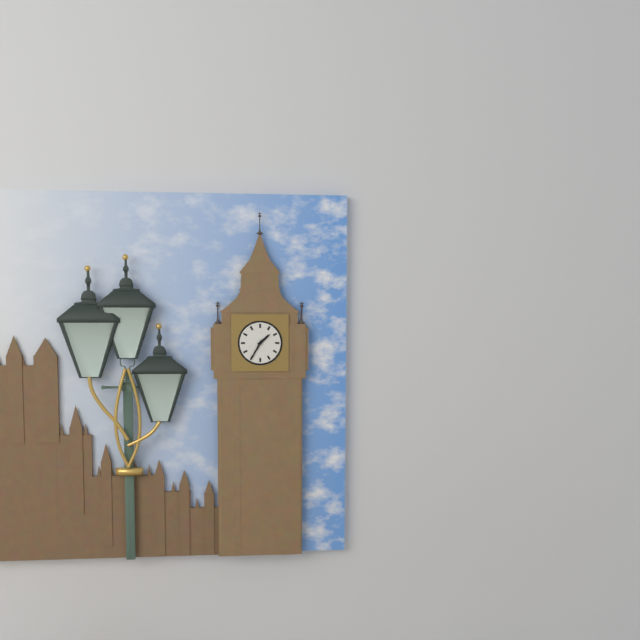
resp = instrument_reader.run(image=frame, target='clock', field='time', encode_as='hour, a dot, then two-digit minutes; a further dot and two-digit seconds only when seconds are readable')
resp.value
1.35
